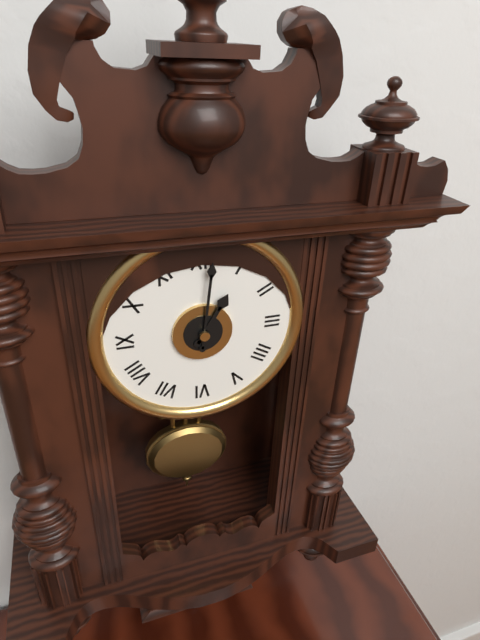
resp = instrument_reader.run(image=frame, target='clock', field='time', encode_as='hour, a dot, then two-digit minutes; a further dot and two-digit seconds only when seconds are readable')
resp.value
1.01
